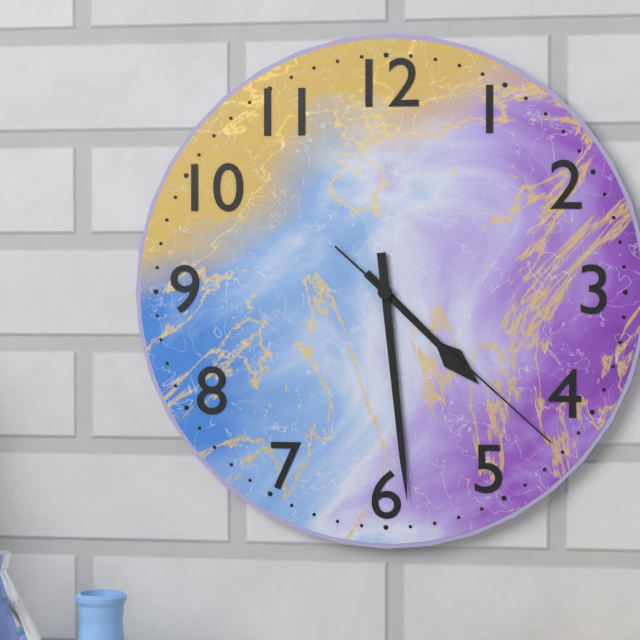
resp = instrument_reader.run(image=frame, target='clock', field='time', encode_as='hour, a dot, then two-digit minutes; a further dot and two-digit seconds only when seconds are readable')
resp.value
4.29.22
